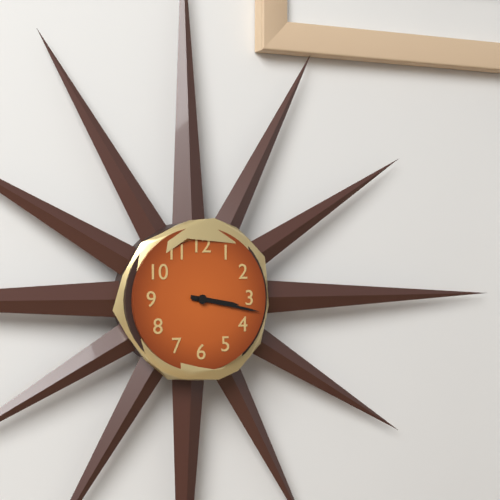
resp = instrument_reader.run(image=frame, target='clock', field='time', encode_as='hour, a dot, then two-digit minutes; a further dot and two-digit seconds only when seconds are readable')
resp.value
3.17
